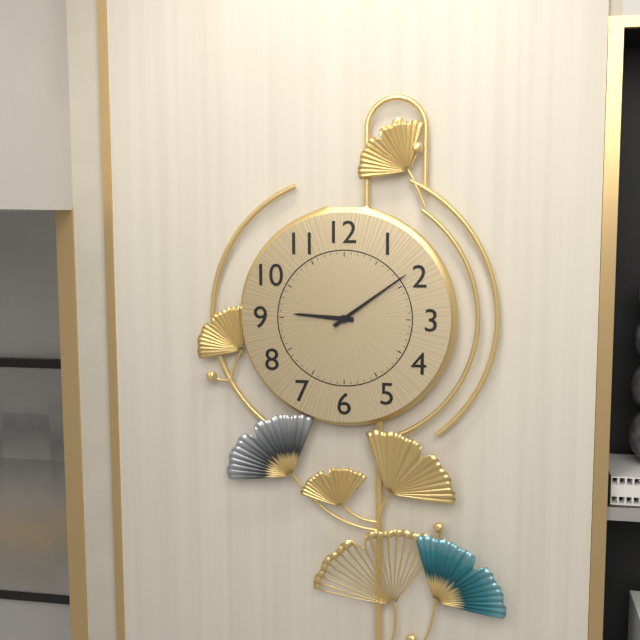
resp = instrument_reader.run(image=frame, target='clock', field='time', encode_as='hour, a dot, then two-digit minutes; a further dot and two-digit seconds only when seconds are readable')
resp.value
9.09
